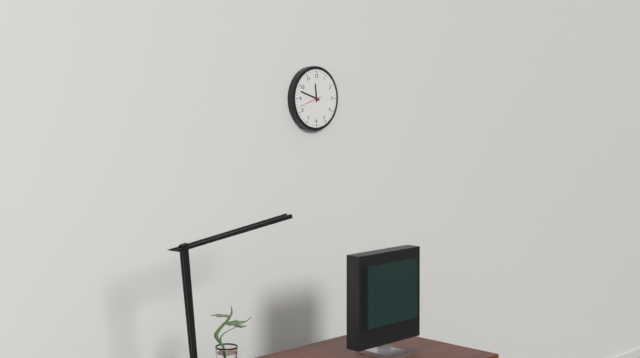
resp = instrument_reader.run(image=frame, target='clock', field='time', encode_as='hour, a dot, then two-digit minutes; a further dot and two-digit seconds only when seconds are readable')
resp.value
11.48
